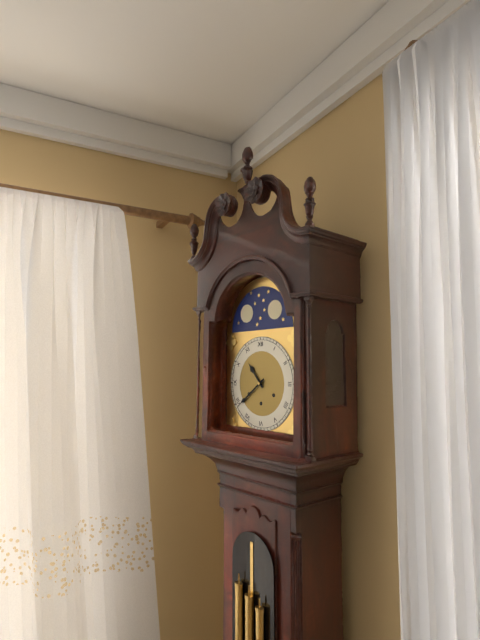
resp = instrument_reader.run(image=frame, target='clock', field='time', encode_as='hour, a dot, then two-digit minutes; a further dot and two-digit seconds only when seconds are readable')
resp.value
10.39
